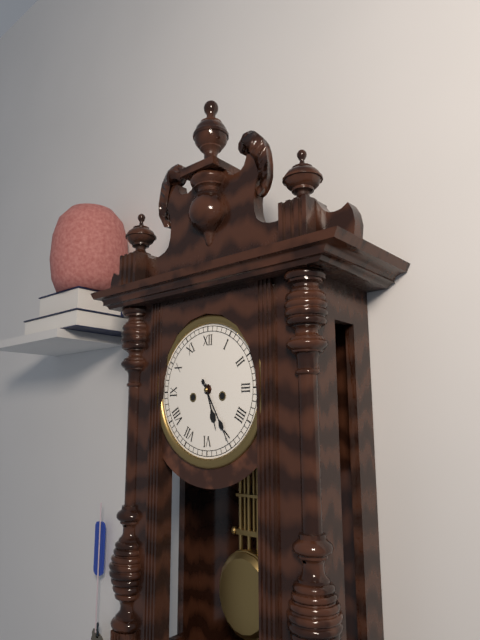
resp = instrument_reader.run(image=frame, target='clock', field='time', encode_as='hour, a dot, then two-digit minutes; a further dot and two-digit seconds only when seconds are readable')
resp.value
5.25
